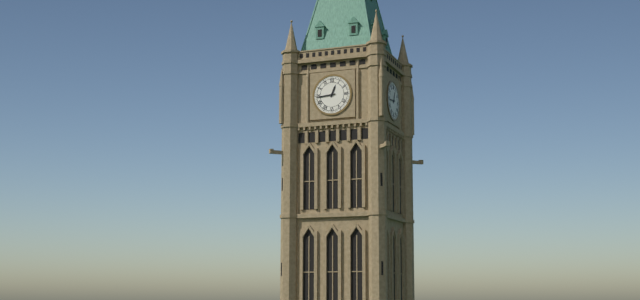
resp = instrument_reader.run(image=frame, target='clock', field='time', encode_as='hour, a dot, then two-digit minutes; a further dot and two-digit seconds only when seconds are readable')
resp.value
12.44
